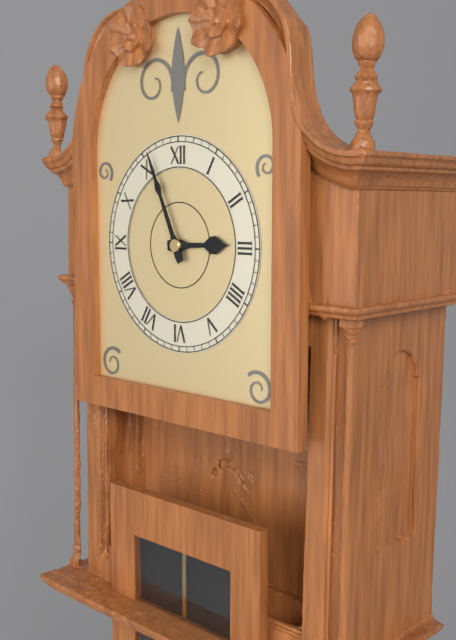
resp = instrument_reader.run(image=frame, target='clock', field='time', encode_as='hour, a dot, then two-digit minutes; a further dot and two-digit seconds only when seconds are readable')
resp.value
2.56
